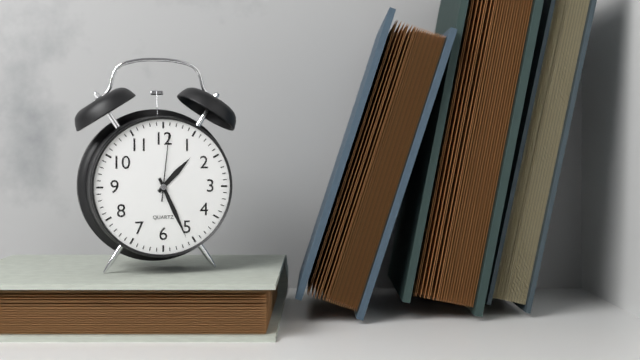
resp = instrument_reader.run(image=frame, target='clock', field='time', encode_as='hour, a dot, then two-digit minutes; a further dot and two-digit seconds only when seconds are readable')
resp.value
1.26.01
